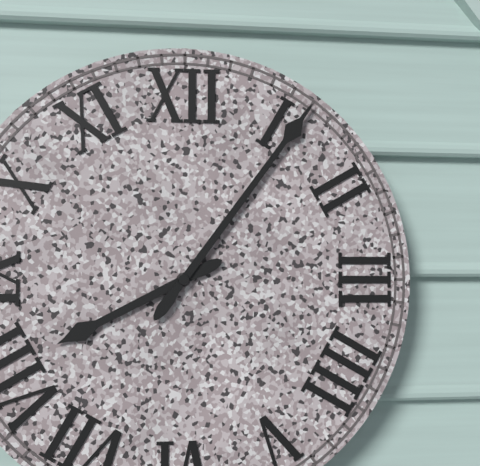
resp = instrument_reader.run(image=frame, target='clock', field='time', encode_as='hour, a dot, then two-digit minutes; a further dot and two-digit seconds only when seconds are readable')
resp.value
8.06
